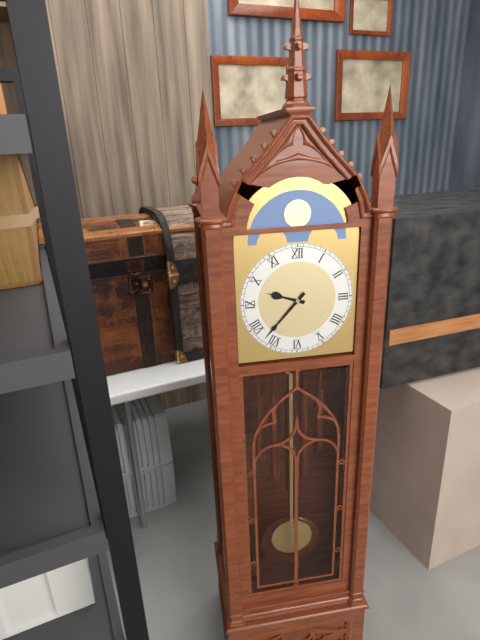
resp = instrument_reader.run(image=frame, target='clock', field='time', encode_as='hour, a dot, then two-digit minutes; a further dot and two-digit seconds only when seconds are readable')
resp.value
9.37
